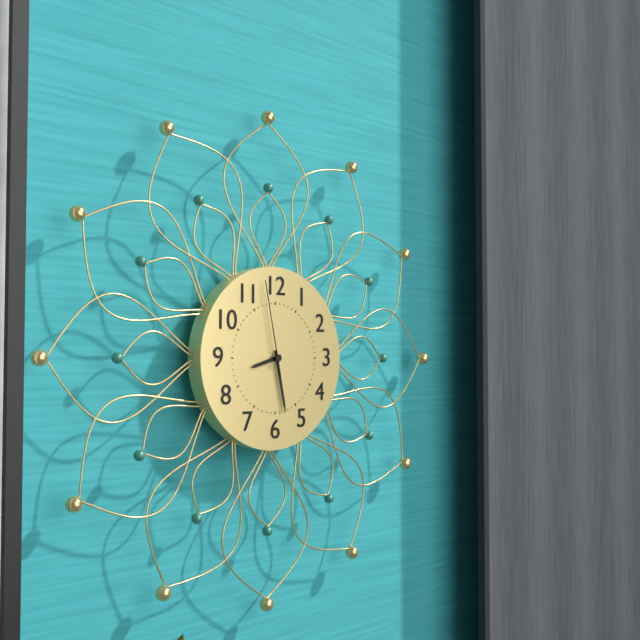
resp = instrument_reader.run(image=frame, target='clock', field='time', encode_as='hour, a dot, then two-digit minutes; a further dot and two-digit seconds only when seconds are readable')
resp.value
8.28.58
